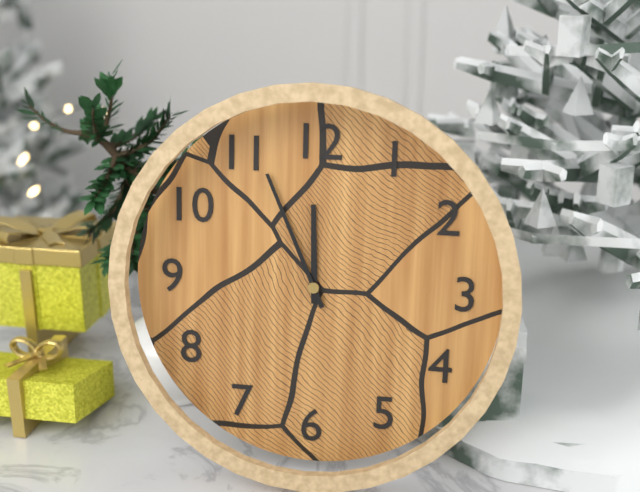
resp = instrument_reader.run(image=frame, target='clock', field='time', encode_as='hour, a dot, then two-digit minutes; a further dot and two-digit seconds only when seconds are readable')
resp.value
11.56
